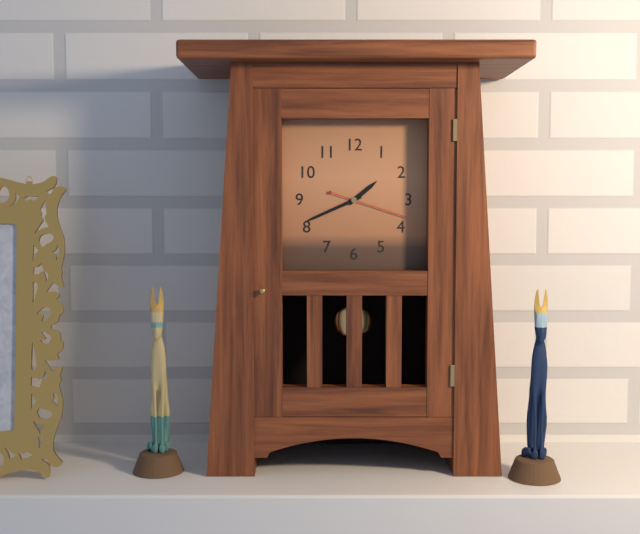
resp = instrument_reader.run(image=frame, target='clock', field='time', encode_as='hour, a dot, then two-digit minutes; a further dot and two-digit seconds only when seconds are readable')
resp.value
1.41.18
